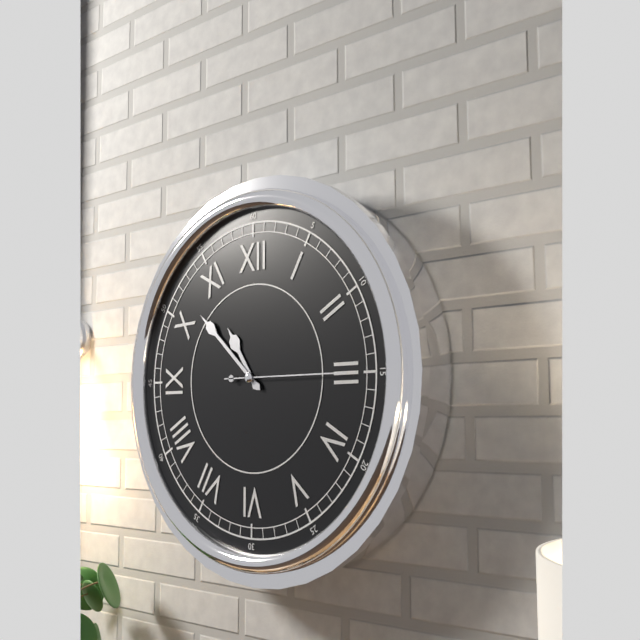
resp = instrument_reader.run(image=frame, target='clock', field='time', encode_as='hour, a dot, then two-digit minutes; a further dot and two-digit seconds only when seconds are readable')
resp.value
10.52.15
